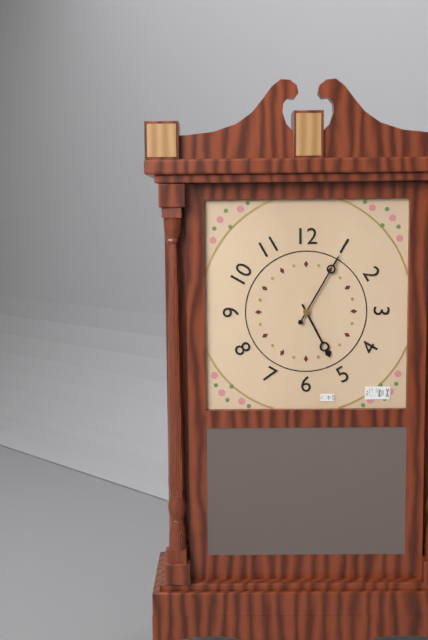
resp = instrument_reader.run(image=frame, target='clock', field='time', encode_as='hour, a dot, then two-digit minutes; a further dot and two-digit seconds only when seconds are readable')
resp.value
5.05
